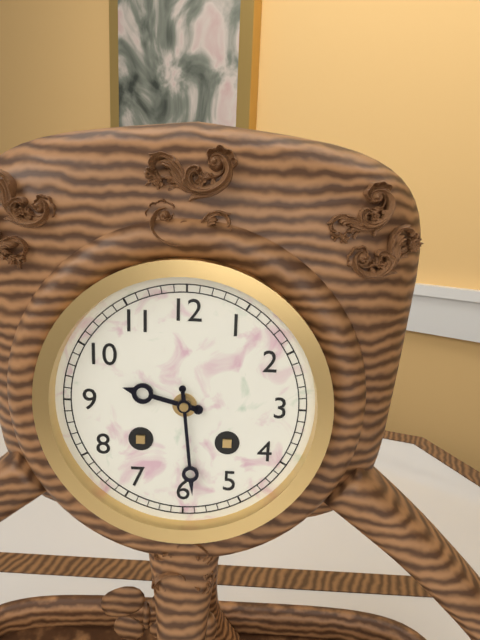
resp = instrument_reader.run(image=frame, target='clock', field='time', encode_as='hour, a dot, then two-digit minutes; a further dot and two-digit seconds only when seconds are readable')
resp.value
9.29
